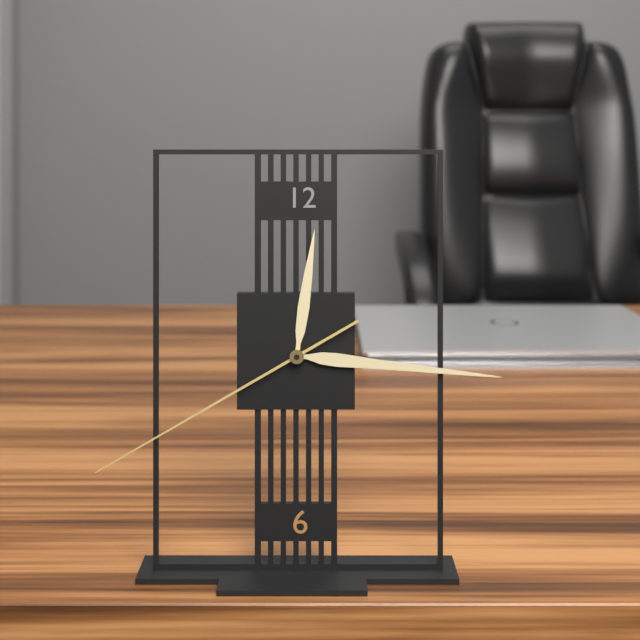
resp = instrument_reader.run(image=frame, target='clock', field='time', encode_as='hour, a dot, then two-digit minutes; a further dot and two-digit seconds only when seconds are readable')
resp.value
12.16.40
